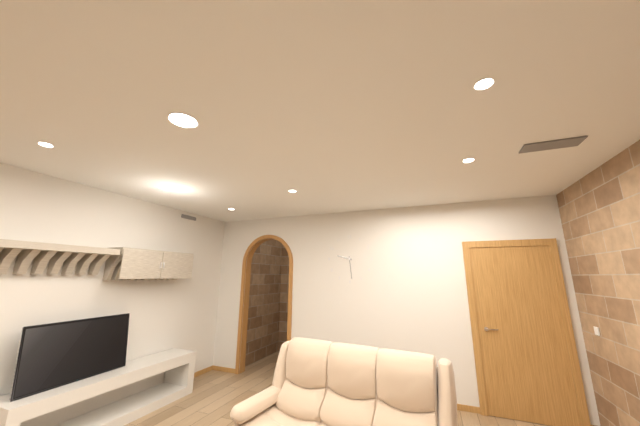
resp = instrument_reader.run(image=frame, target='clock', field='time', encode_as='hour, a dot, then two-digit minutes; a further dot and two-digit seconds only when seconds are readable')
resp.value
9.29
